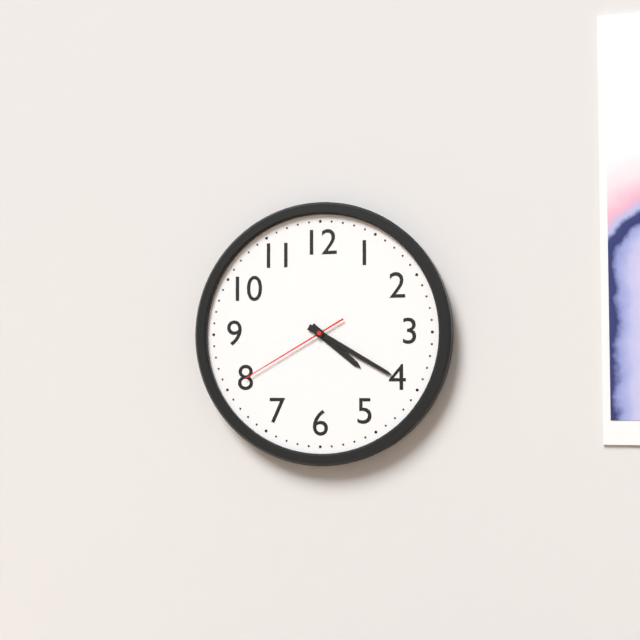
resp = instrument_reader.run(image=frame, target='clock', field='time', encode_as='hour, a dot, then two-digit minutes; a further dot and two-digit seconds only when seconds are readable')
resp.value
4.20.40
